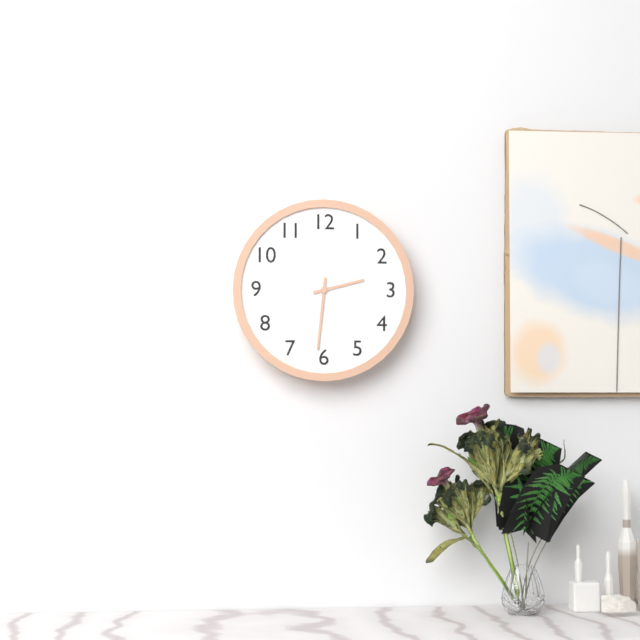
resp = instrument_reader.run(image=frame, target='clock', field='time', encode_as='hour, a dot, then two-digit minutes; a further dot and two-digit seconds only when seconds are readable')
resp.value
2.31
